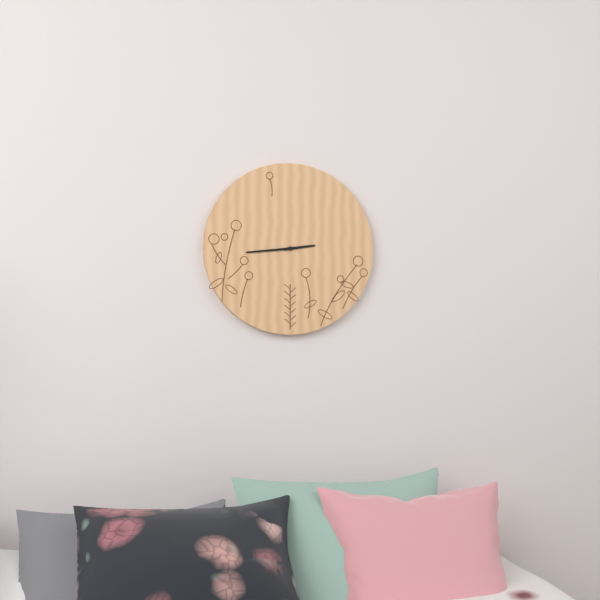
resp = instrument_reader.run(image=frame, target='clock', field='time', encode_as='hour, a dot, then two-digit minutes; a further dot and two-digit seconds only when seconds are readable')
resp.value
2.44
